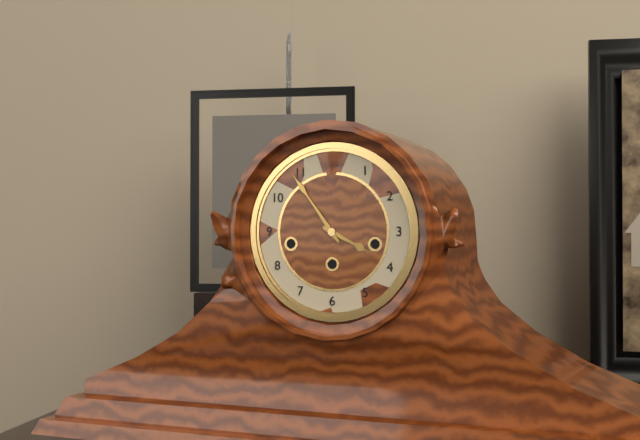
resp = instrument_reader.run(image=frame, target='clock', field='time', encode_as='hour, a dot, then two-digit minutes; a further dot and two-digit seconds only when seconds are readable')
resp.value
3.54
